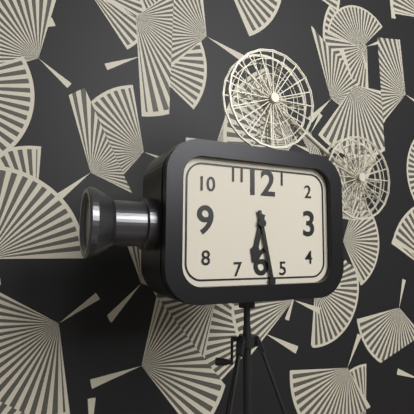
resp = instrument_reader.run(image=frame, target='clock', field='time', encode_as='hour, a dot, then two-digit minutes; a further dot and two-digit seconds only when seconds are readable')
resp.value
6.28
